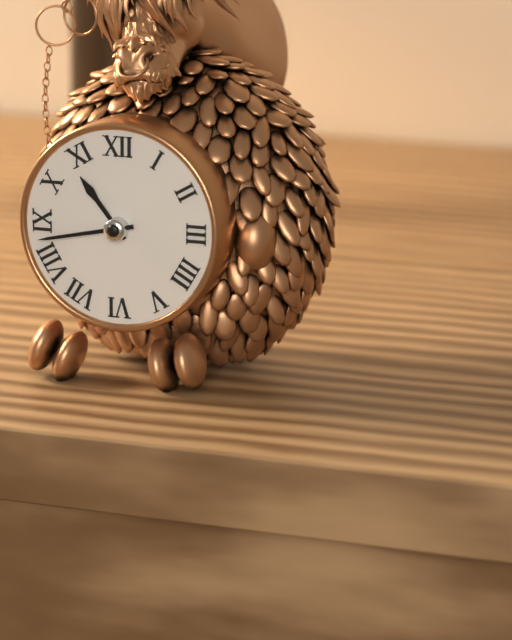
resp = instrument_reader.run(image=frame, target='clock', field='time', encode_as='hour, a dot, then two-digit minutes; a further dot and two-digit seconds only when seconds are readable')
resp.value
10.43
